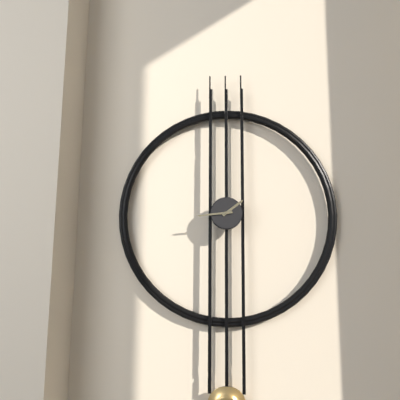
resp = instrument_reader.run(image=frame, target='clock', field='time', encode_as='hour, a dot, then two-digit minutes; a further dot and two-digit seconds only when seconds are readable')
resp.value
1.44
